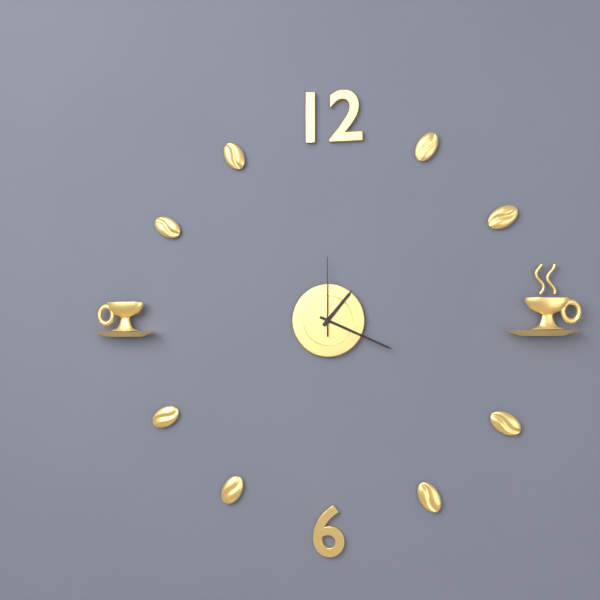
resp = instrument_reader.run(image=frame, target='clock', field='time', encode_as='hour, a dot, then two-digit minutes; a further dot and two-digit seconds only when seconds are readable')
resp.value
1.19.00
